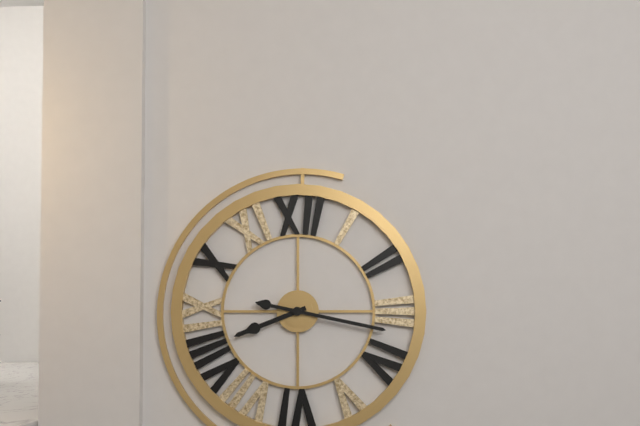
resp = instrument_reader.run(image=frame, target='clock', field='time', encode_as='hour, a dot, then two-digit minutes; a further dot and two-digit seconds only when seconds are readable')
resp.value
8.17
